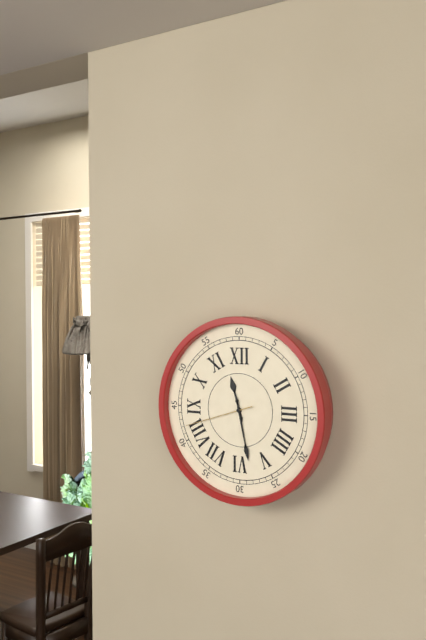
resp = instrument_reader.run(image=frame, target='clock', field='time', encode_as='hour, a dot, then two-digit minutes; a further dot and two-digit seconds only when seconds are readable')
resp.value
11.28.42
